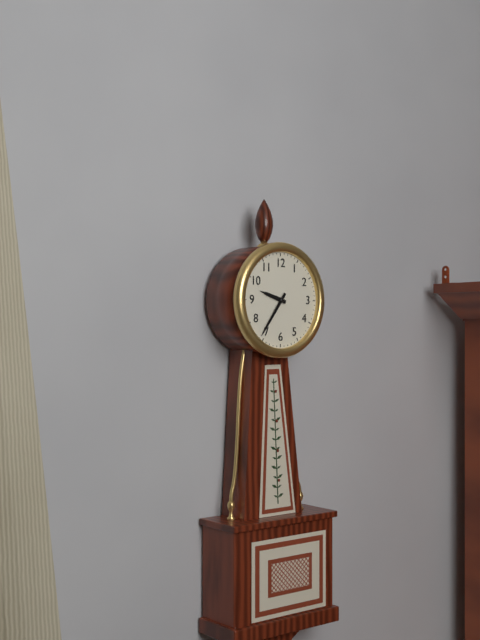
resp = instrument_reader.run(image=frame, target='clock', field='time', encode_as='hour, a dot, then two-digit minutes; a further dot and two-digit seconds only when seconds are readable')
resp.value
9.36
